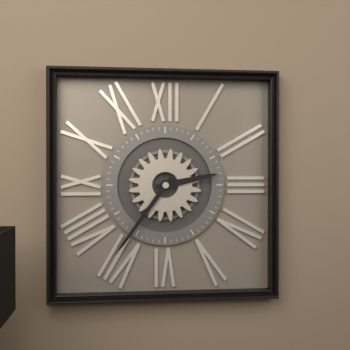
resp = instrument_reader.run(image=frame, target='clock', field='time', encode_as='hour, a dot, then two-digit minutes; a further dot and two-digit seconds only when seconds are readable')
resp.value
2.36
